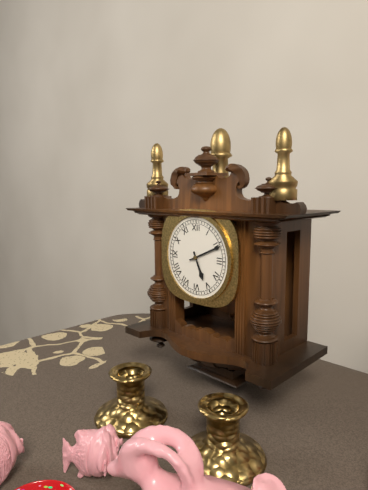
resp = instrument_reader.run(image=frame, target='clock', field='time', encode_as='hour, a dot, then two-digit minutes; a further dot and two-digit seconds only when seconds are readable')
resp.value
5.11
